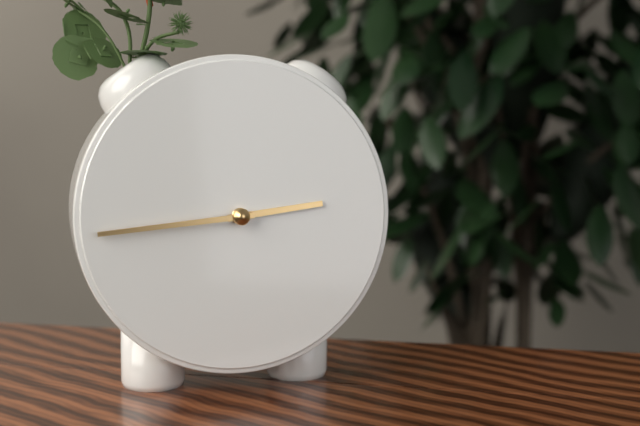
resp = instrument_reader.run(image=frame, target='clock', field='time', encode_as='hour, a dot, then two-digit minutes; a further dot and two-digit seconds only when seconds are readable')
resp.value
2.44
